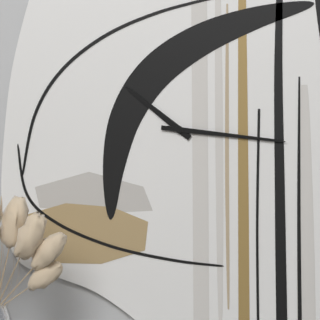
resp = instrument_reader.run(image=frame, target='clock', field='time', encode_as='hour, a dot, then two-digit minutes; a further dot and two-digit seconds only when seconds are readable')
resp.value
10.16
